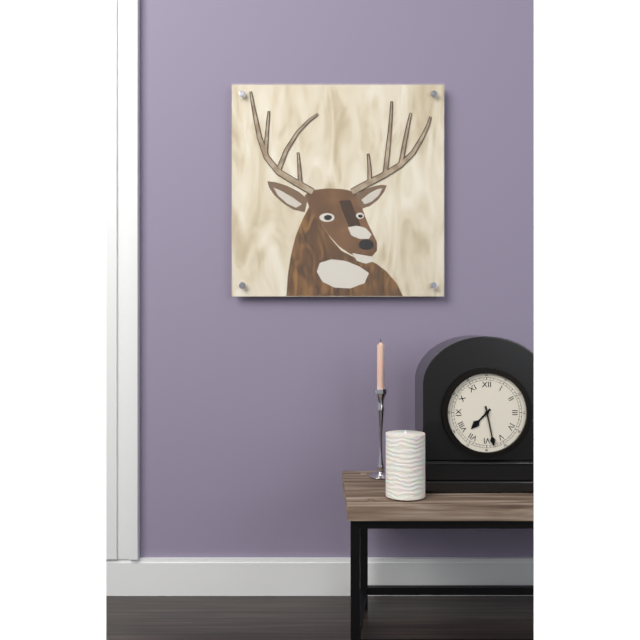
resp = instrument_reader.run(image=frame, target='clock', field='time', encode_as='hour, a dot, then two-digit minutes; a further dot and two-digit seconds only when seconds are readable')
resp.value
7.28
